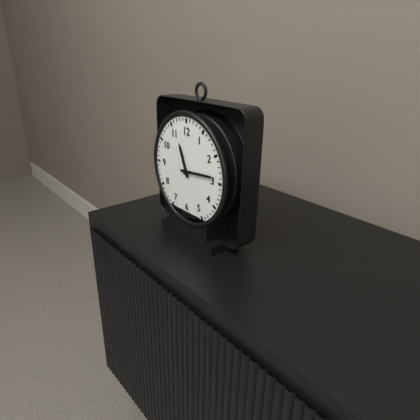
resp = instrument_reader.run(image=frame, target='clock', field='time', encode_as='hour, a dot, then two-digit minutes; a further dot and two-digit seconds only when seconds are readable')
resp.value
11.14
